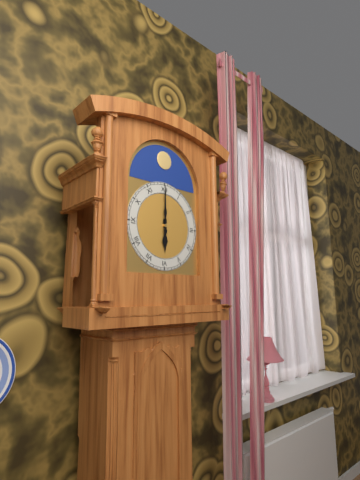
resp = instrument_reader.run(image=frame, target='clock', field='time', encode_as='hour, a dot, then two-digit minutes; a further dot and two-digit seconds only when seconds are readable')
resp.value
6.00
